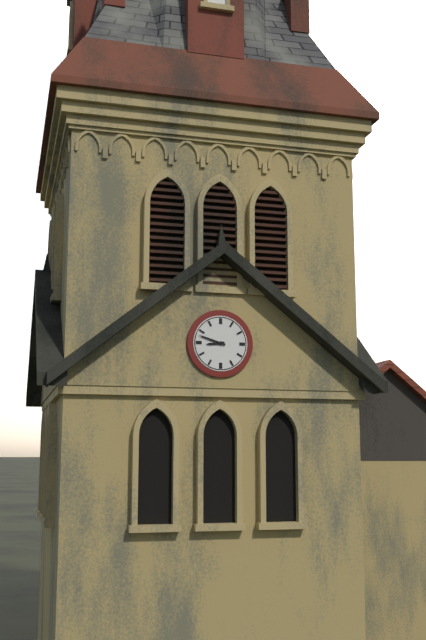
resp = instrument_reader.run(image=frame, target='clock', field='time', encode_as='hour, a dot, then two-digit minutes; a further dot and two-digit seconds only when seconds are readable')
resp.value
8.48
